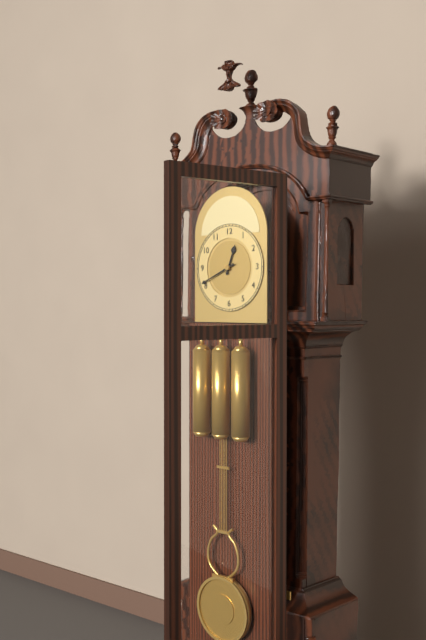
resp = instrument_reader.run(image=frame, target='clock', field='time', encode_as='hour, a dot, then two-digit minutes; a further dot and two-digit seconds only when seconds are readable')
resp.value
12.41
